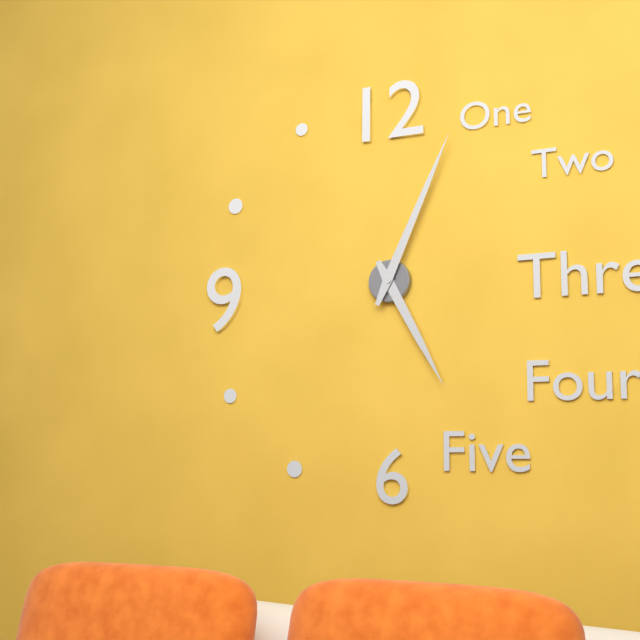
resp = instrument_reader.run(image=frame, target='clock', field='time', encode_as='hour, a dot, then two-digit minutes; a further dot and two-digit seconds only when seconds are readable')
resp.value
5.04
